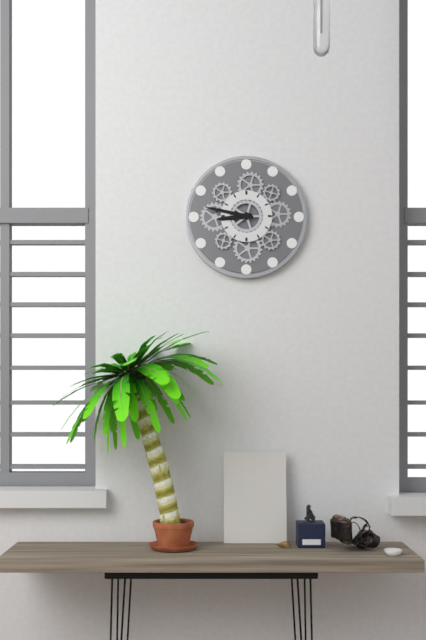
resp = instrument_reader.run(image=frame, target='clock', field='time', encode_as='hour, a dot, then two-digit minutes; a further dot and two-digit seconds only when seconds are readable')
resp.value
8.47
